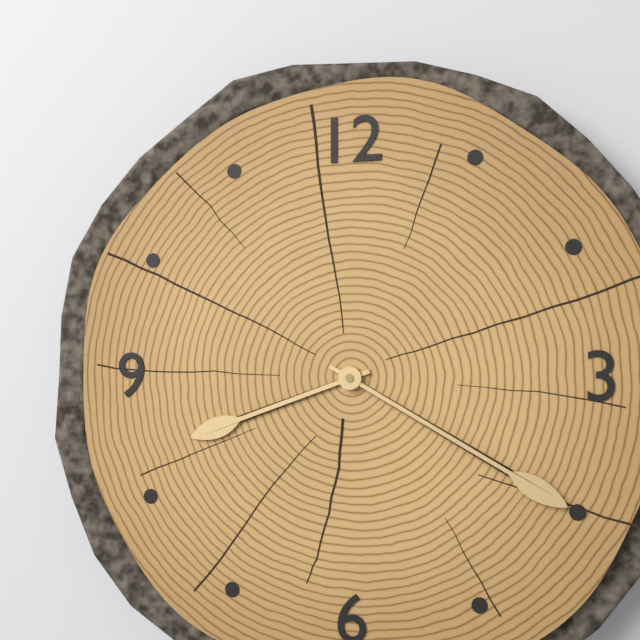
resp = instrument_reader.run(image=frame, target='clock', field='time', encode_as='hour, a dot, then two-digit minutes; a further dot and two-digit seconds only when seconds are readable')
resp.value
8.20
